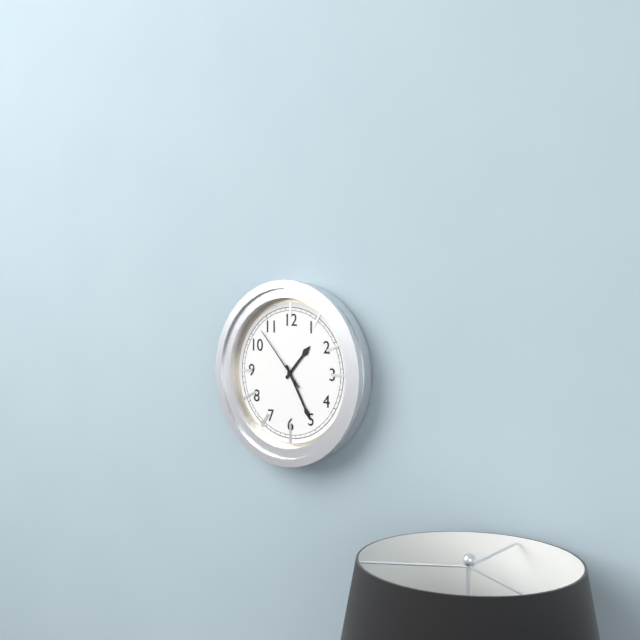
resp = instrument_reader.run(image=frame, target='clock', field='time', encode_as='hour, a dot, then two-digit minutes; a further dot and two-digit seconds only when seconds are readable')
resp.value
1.25.53
